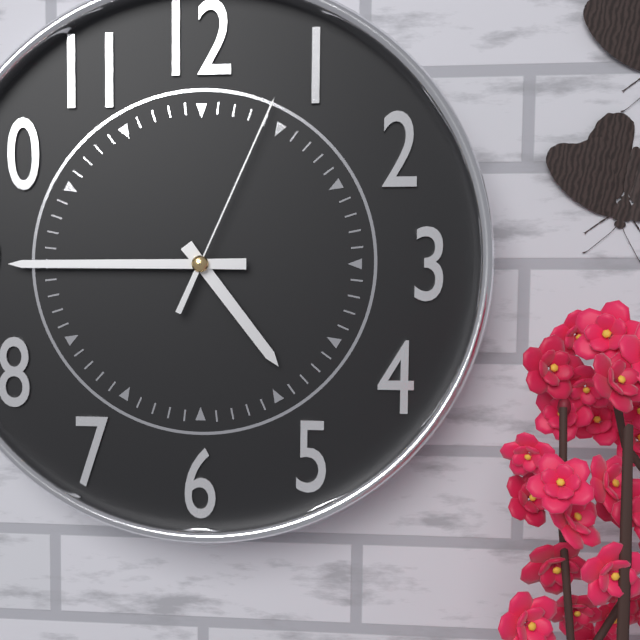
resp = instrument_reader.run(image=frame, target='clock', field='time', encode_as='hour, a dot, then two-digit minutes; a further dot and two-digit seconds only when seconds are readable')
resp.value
4.45.04
